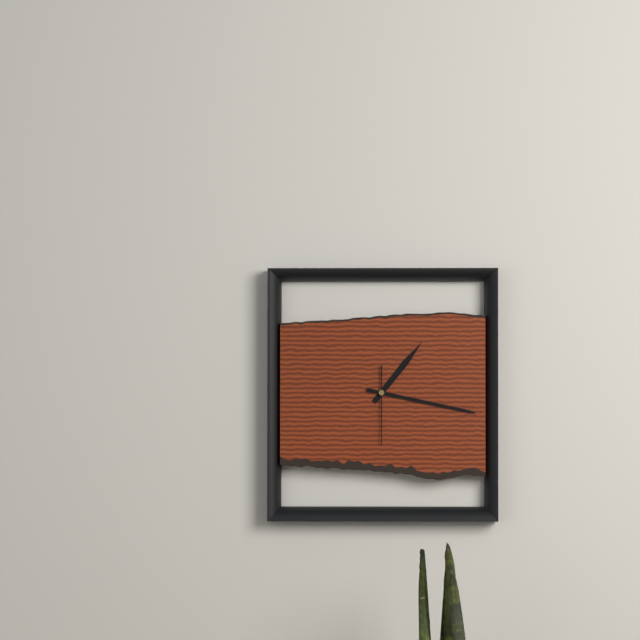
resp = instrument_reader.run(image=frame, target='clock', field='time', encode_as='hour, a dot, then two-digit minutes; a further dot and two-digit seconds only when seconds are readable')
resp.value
1.17.30
